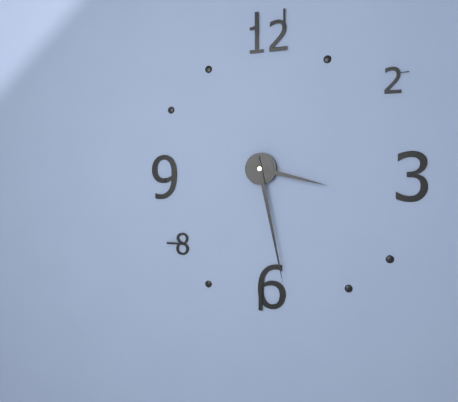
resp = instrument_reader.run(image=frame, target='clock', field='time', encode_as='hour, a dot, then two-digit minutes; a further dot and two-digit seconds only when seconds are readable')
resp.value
3.28
